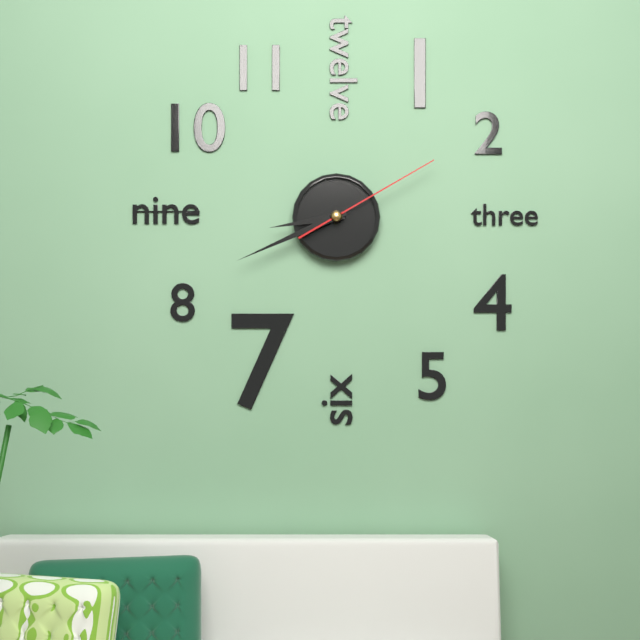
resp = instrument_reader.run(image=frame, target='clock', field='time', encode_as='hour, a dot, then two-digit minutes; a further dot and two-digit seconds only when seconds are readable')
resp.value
8.41.10
